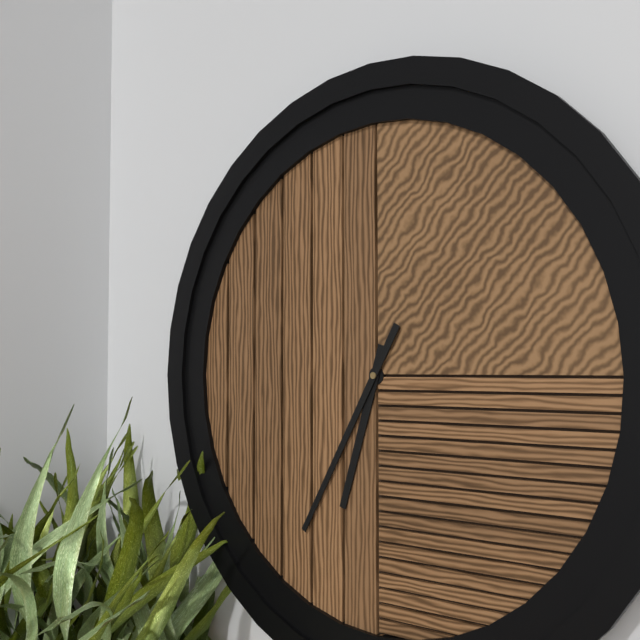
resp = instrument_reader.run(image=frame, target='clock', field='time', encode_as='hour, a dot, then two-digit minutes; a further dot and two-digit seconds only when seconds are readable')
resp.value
6.35
